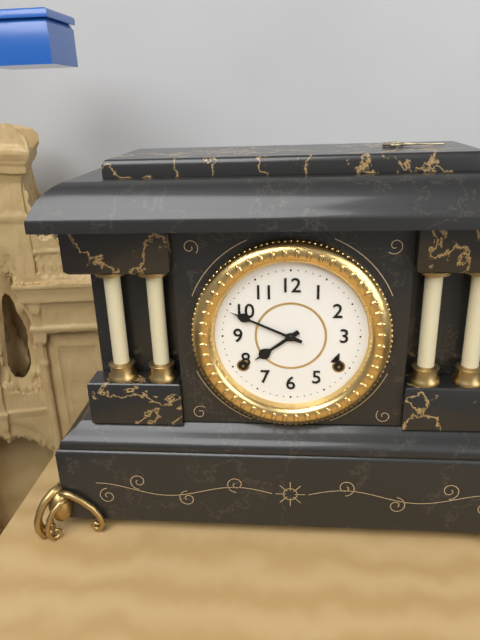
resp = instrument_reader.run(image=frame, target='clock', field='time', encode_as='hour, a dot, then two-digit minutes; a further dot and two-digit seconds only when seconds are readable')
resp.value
7.49
